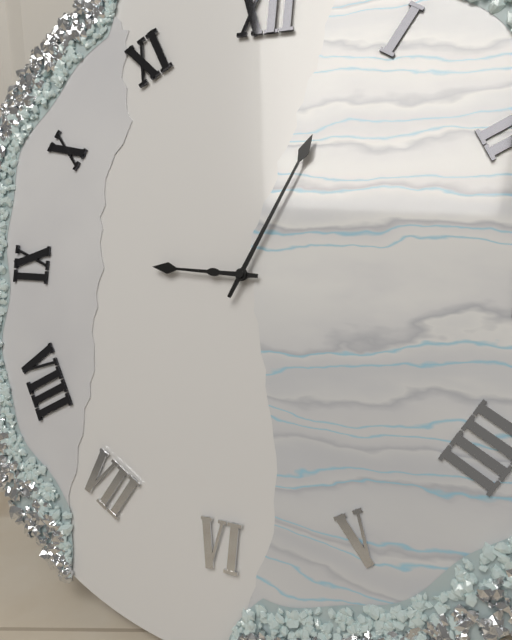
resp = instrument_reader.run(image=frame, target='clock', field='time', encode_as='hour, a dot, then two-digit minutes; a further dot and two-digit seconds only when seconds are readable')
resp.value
9.04
